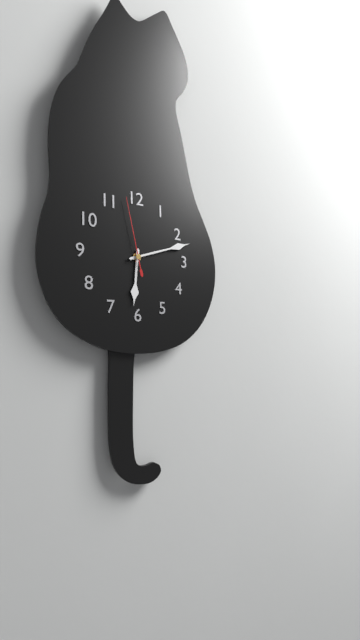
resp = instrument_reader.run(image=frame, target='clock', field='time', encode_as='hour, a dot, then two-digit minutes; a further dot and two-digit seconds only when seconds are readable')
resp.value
6.12.58
